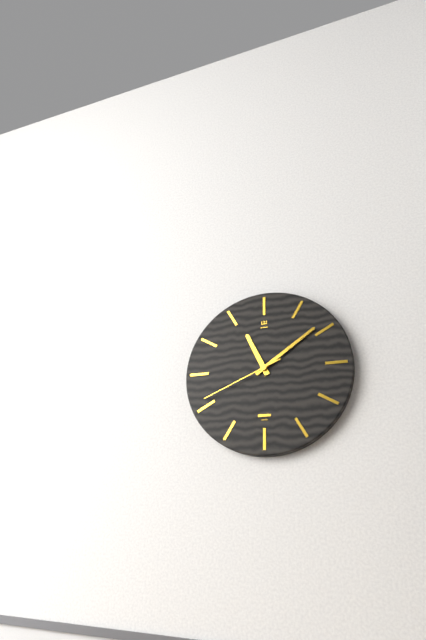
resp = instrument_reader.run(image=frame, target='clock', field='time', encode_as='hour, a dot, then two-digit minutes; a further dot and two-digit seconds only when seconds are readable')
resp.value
11.09.41
